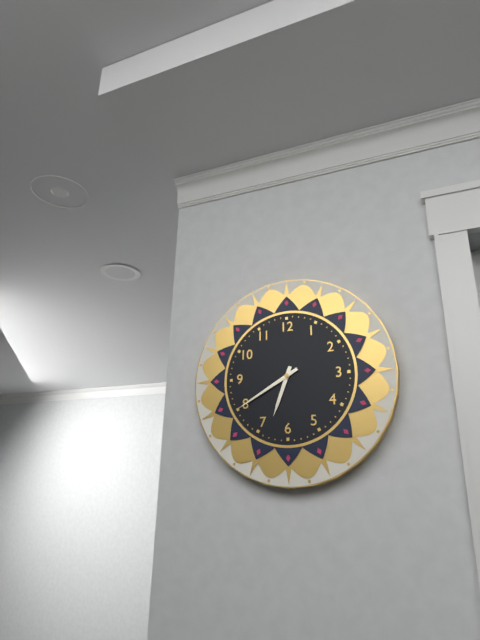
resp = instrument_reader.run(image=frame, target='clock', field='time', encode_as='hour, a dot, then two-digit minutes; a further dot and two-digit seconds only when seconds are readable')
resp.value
6.40
